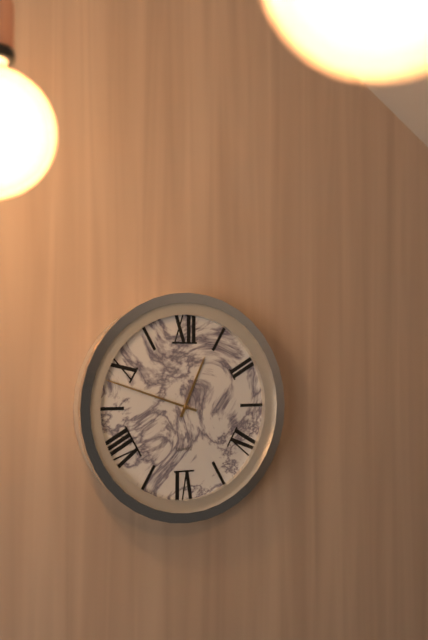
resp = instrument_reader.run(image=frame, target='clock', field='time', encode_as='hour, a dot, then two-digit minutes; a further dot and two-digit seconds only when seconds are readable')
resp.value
12.48
